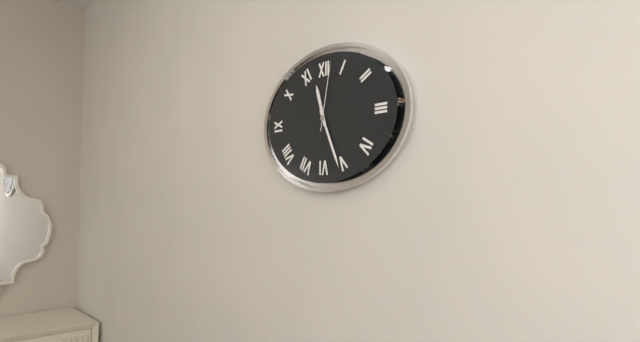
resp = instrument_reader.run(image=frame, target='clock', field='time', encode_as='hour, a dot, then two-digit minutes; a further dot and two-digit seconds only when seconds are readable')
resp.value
11.26.02
